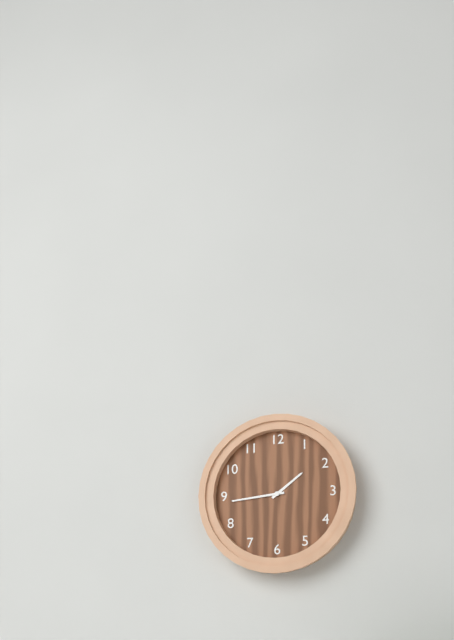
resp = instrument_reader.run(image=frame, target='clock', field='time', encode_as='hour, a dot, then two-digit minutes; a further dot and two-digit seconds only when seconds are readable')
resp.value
1.44
